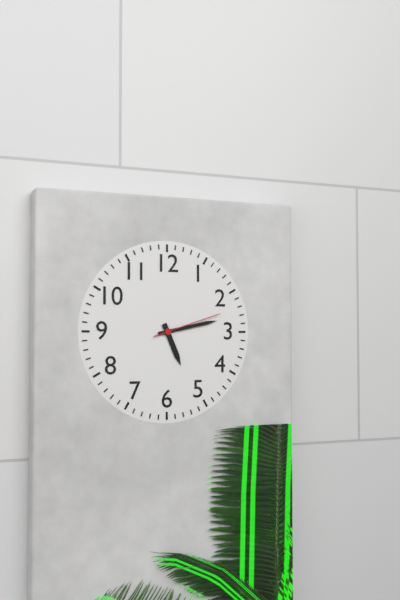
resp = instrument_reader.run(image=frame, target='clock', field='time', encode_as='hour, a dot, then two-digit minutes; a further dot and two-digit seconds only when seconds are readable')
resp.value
5.13.12
